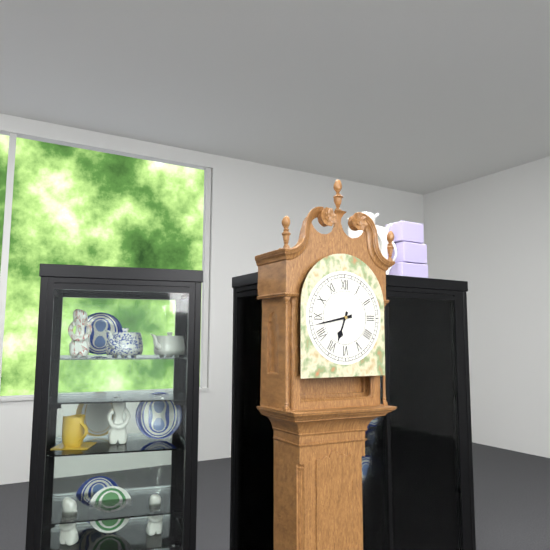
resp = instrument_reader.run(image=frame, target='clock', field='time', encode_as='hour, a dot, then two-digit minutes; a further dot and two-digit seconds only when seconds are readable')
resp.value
6.43
